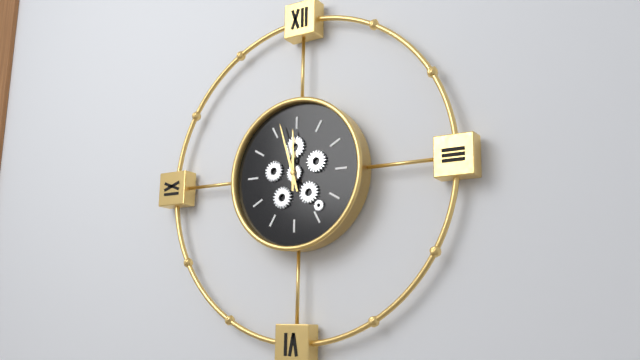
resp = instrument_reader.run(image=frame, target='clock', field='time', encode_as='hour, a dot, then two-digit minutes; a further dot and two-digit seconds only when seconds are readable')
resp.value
11.57
